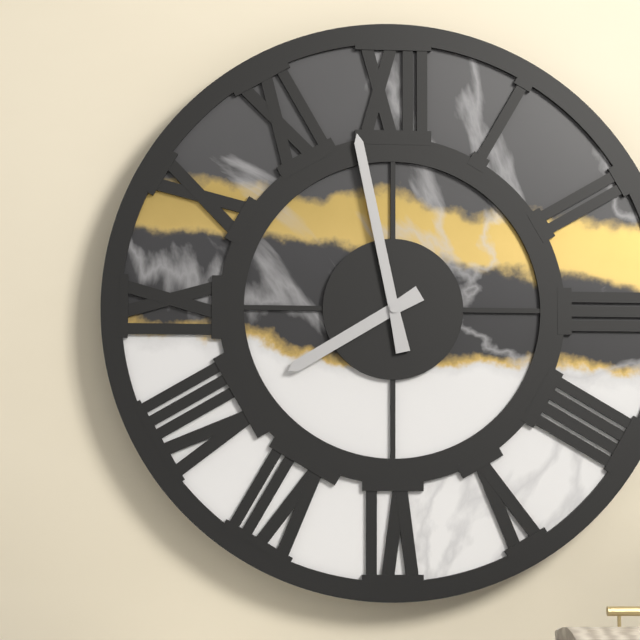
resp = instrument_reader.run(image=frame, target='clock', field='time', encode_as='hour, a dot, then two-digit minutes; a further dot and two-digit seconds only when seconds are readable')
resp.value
7.58
